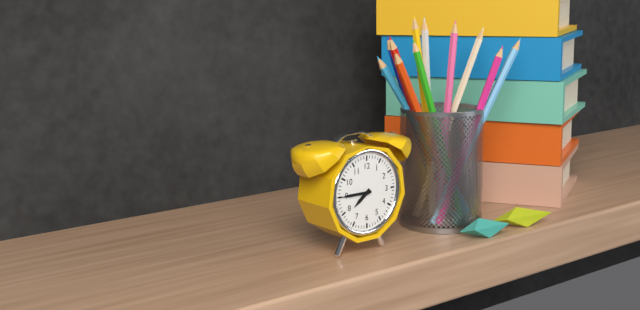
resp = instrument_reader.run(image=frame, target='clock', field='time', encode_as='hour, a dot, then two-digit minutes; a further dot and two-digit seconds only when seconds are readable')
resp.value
7.45
